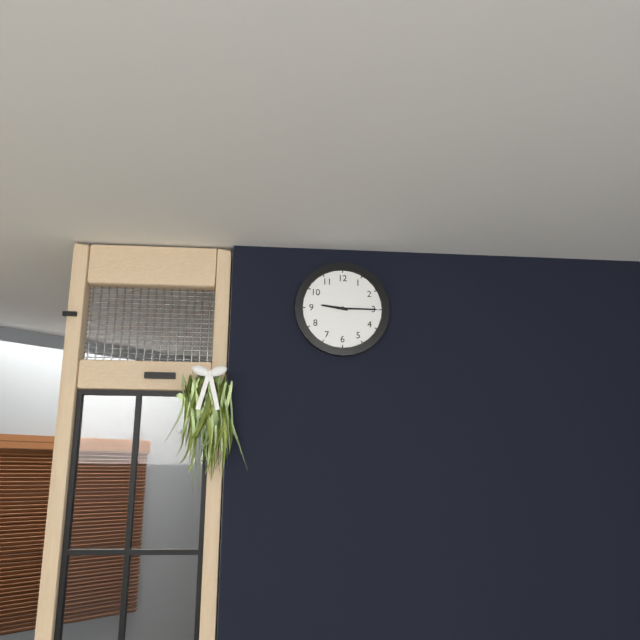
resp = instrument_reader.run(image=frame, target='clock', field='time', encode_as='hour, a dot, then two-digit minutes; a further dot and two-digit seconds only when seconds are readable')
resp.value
9.15
